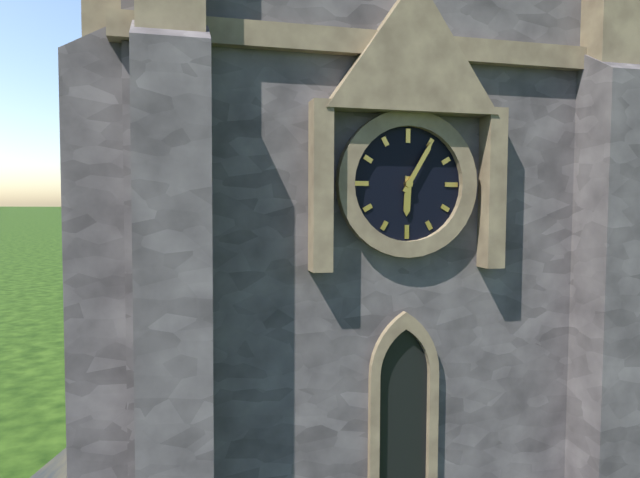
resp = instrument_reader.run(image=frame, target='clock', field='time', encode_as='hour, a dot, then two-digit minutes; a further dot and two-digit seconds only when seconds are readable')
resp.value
6.05
